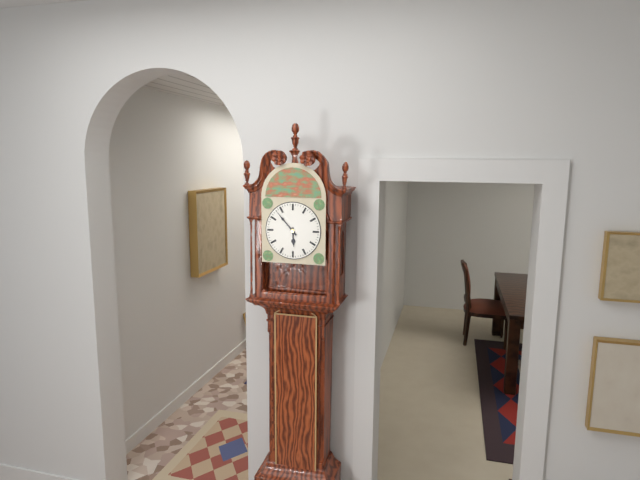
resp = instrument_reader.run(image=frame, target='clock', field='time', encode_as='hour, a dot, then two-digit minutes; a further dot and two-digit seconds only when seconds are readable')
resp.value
5.53
